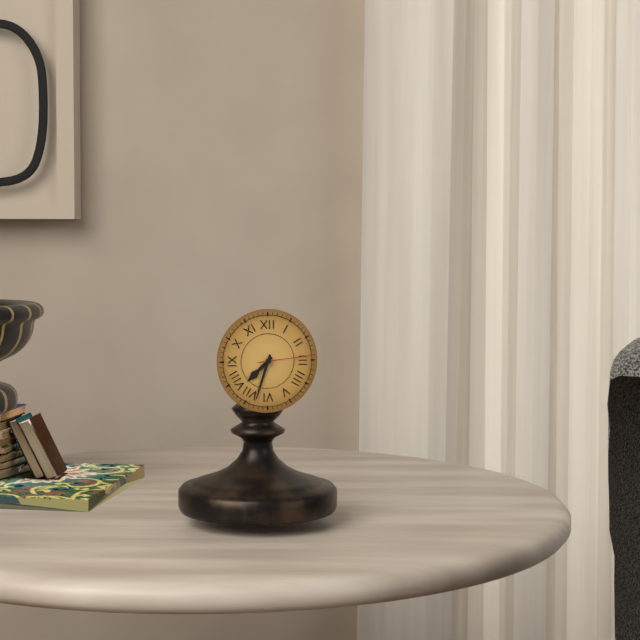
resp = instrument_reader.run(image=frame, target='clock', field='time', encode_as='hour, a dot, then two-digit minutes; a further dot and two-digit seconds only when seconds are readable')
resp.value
7.33.14
